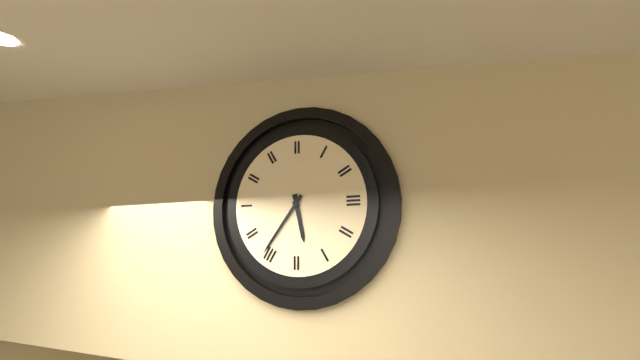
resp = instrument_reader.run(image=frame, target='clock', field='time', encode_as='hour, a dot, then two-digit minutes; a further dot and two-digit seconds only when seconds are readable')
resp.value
5.36
